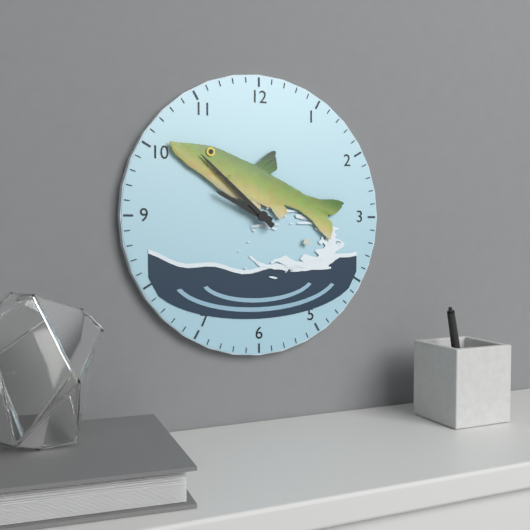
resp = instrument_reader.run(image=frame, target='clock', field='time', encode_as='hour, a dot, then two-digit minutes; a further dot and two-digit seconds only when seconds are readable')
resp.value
9.52
